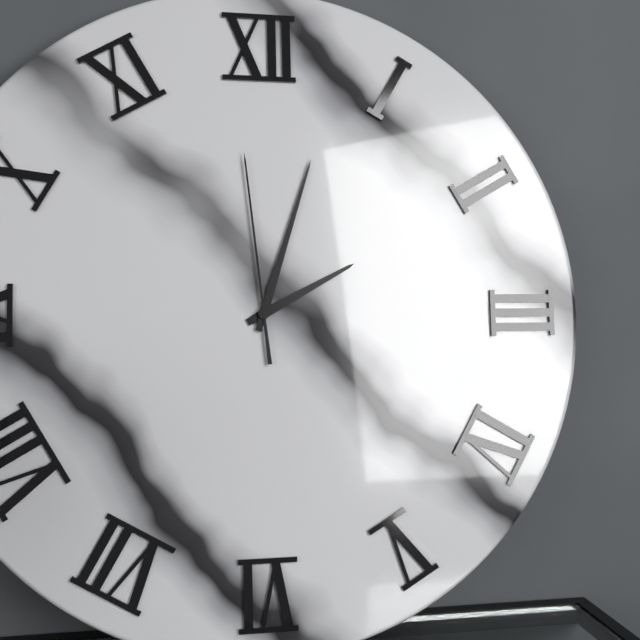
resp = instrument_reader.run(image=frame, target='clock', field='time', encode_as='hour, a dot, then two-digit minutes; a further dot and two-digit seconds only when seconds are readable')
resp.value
2.03.59
